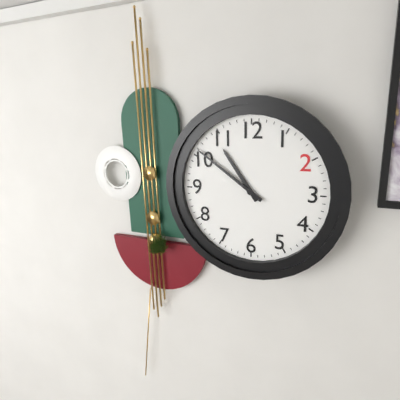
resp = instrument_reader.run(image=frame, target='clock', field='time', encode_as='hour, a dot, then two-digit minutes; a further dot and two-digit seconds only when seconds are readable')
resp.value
10.51
